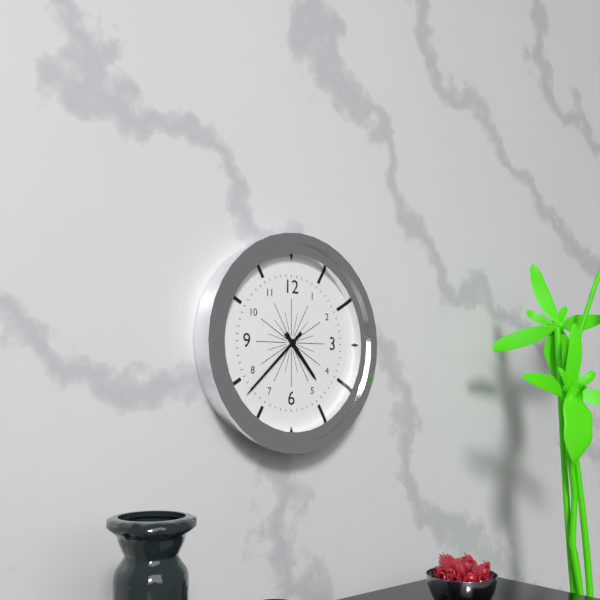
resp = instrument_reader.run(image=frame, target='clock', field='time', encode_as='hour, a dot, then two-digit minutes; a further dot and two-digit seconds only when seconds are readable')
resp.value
4.38
